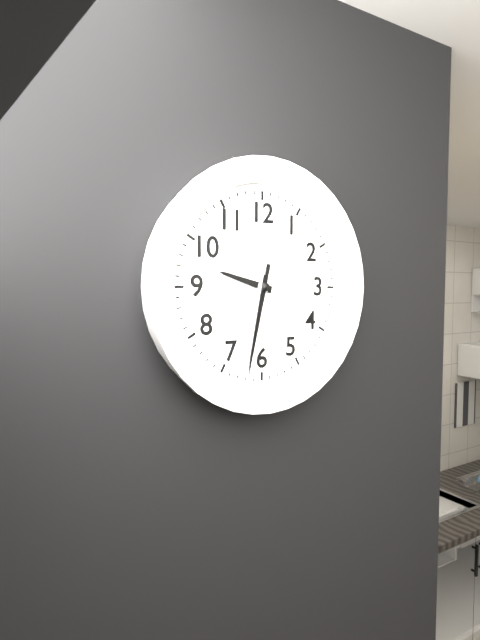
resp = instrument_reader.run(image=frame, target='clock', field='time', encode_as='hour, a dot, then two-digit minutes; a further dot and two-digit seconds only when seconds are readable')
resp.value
9.32.32
